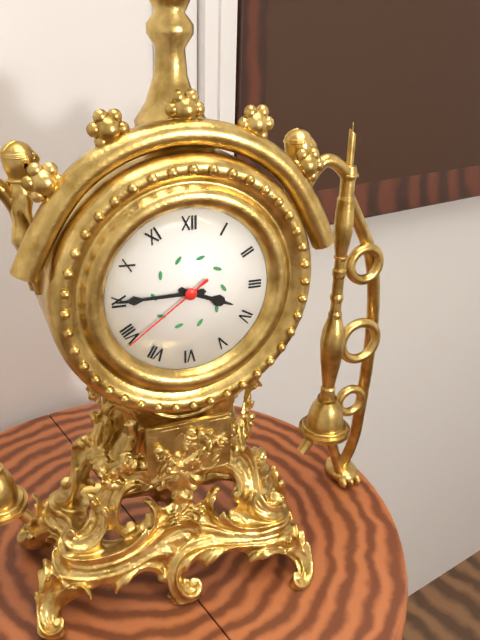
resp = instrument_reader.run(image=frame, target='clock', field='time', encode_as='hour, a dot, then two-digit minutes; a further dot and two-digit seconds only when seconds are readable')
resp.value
3.45.39
